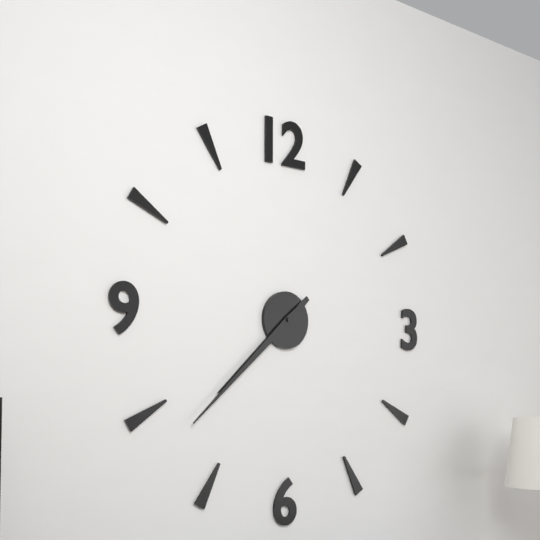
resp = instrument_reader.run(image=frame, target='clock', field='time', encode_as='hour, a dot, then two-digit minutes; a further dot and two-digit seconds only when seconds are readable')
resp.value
7.38
